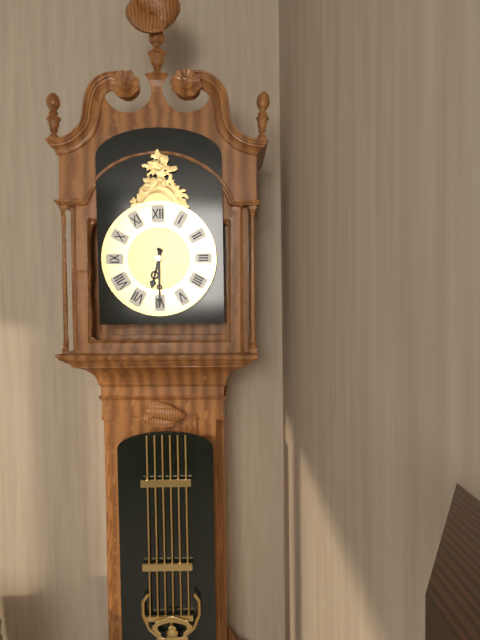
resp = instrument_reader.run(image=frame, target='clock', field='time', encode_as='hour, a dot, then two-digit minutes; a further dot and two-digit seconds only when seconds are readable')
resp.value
6.30
